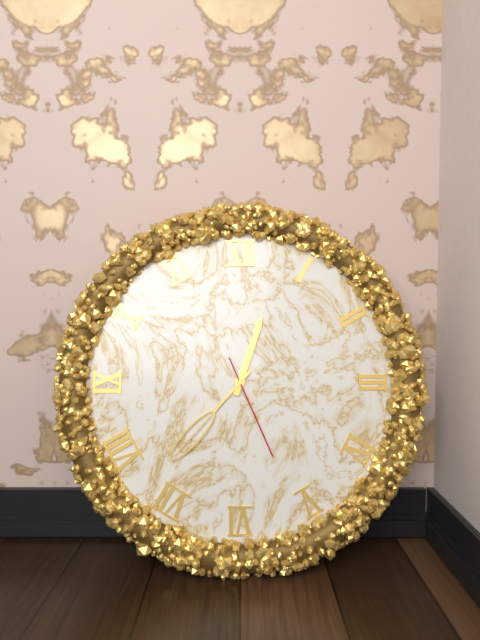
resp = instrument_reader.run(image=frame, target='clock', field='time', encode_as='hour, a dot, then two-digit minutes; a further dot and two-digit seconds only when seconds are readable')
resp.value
12.37.26
